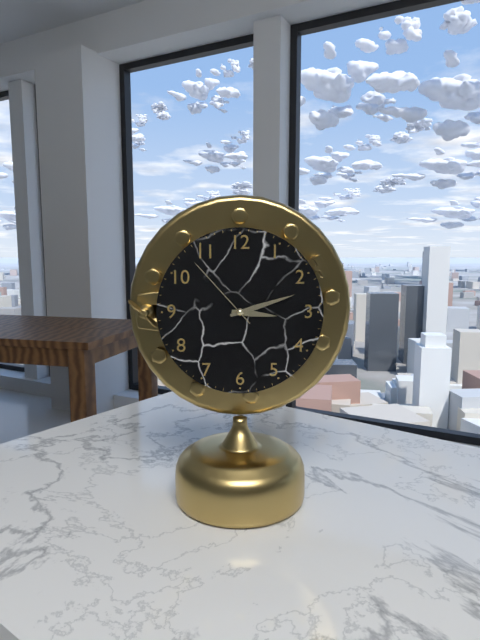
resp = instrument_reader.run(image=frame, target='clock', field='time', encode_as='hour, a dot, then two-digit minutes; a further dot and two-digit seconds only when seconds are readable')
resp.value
3.12.53
